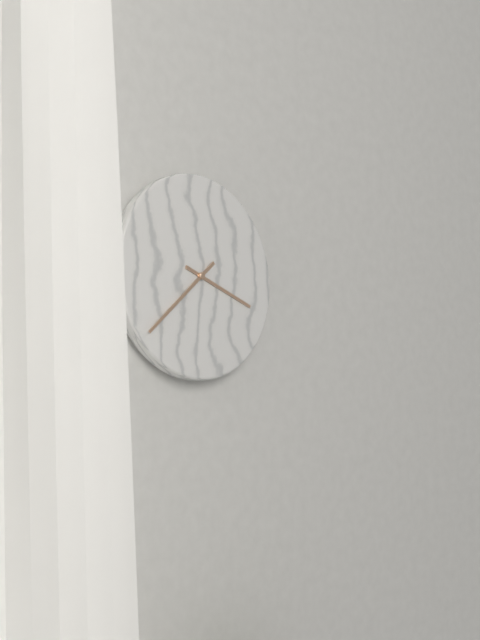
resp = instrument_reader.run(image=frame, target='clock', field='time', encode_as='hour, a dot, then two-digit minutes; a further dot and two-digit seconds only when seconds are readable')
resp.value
3.38
